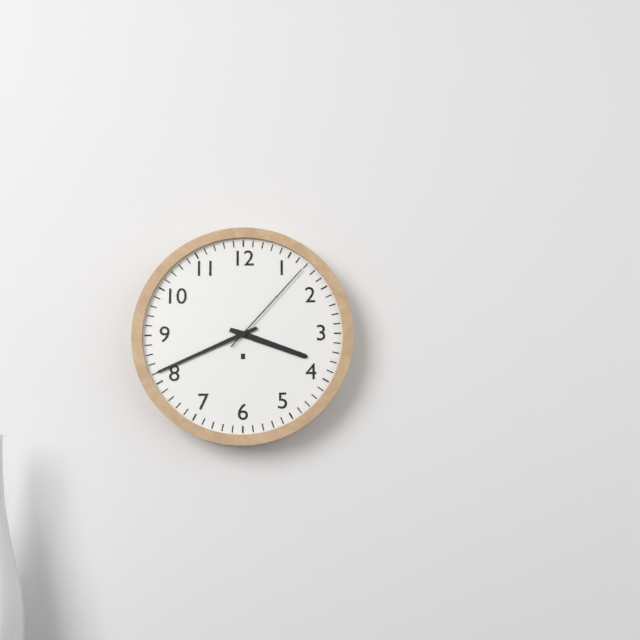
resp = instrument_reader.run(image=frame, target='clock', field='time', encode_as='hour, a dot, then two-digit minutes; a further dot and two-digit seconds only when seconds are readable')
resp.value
3.41.07
